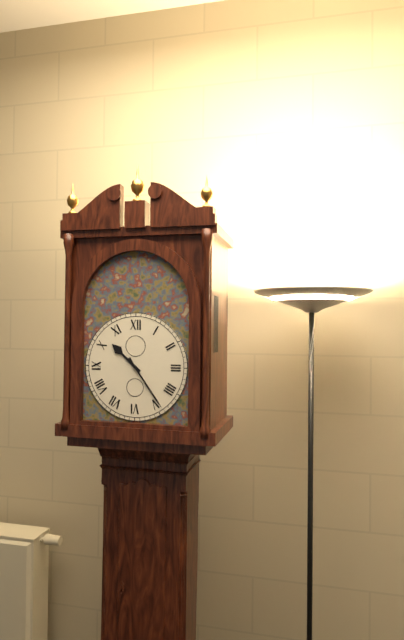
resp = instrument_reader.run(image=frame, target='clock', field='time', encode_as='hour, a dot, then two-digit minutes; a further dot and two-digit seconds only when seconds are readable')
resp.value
10.24
